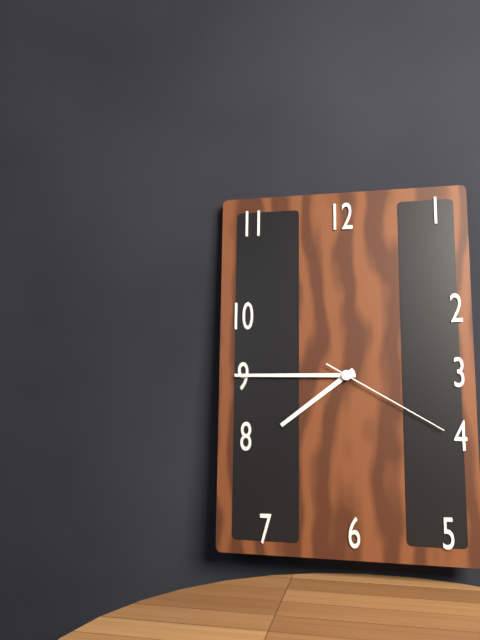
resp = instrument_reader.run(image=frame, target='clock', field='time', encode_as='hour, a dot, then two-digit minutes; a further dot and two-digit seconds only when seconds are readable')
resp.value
7.45.20
